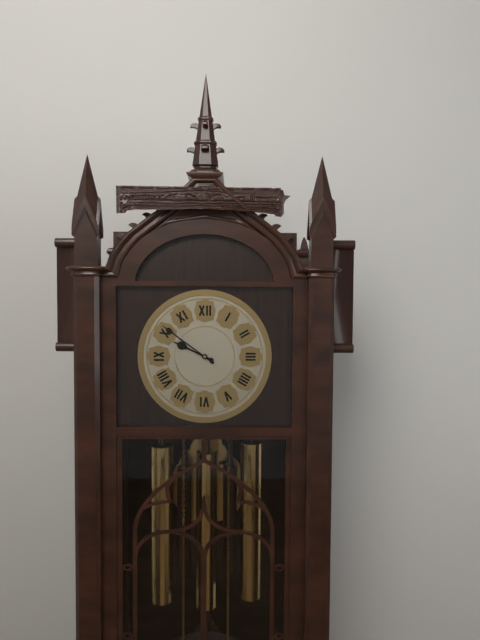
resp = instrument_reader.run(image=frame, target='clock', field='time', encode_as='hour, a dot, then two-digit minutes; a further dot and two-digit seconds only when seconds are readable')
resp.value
9.51
